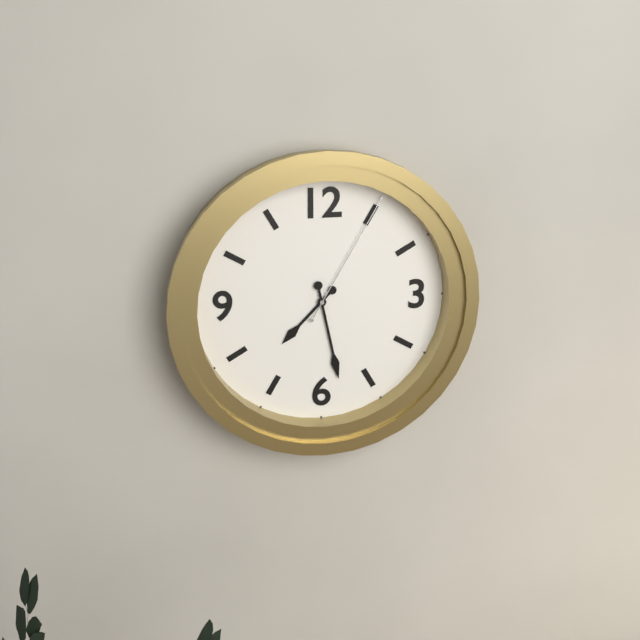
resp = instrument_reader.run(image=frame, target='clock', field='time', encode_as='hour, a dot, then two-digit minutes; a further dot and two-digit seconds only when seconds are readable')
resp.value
7.28.05
